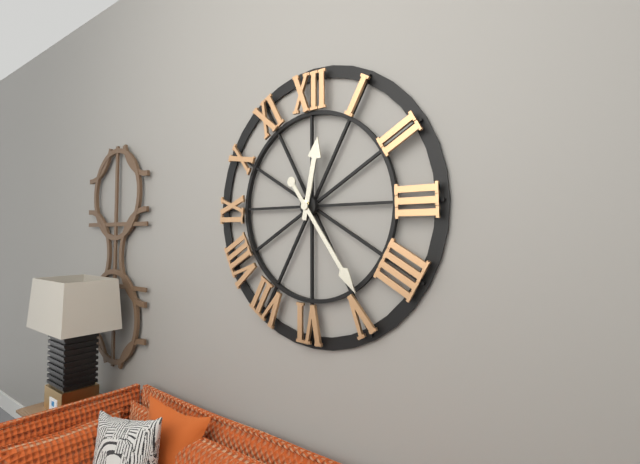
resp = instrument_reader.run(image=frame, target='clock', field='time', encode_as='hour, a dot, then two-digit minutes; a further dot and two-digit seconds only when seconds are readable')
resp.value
12.24
